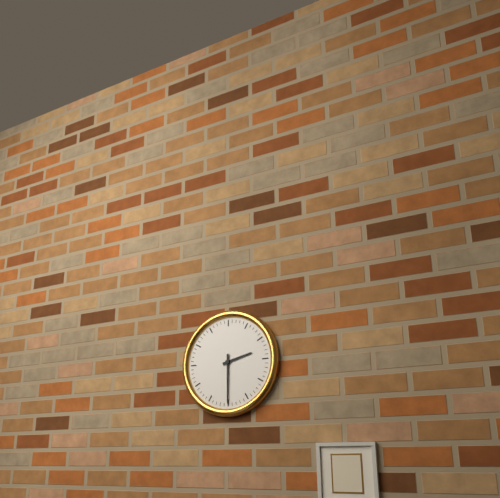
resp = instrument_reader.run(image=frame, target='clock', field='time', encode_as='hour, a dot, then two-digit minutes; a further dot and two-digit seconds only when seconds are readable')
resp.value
2.30
